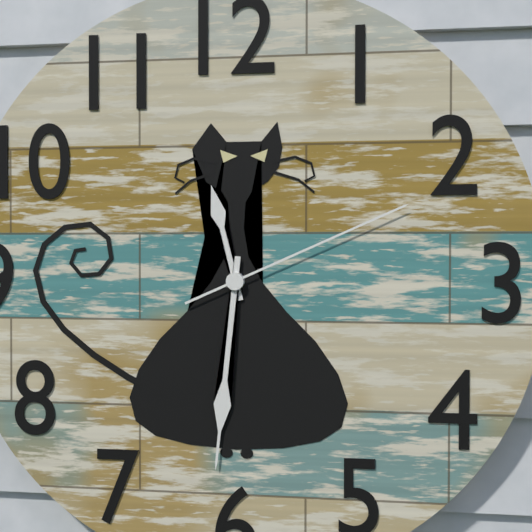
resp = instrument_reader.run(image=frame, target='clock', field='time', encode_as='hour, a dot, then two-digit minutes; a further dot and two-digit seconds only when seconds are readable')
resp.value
11.31.11
